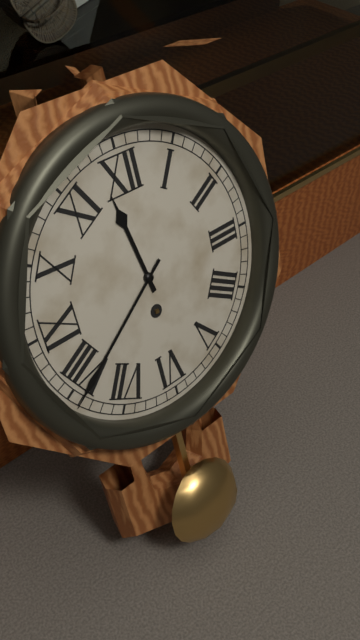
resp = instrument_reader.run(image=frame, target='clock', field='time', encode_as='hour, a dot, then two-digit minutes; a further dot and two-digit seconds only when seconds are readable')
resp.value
11.39
